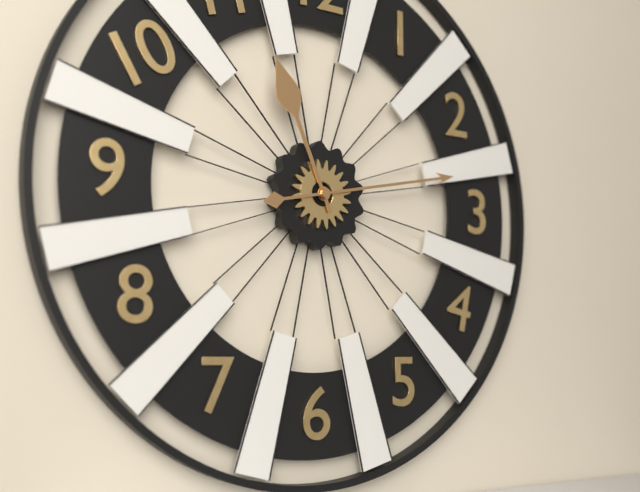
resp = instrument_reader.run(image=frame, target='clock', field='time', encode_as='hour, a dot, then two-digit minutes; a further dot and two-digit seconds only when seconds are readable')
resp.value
11.13
